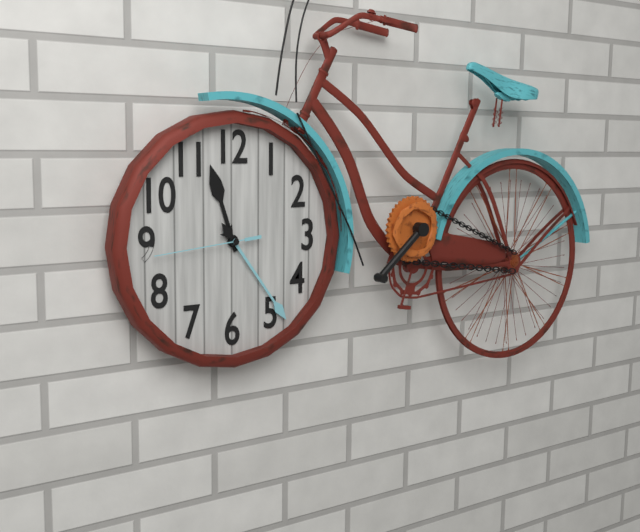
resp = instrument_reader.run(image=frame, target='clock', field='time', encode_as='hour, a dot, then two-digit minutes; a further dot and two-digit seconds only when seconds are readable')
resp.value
11.24.44
